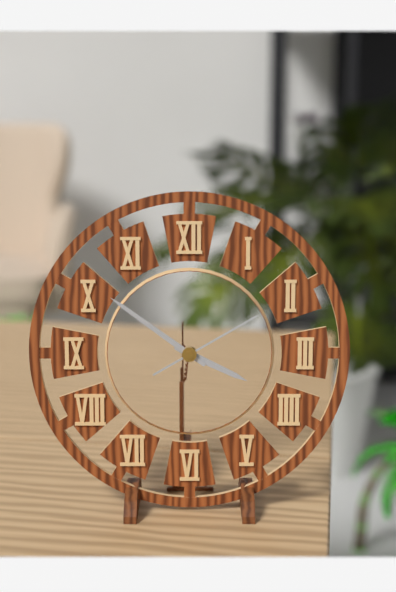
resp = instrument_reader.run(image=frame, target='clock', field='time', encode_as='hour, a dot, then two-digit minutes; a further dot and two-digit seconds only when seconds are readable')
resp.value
3.51.10
